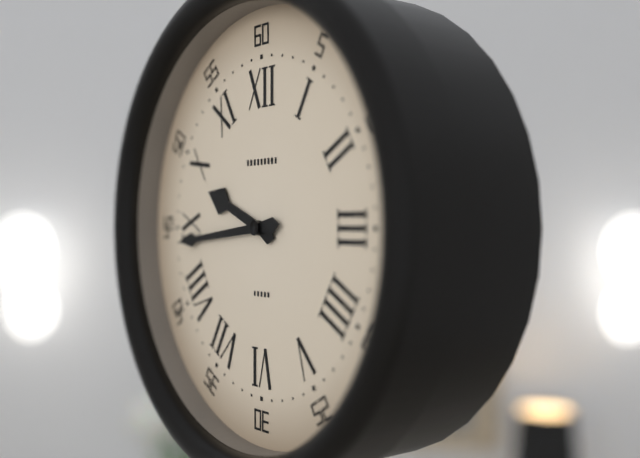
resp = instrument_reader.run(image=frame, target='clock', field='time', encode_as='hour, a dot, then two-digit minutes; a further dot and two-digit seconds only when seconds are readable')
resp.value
9.44
